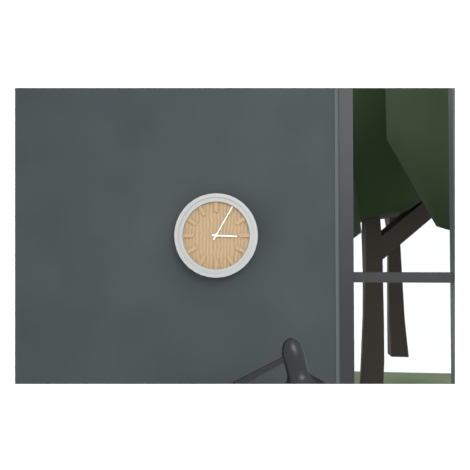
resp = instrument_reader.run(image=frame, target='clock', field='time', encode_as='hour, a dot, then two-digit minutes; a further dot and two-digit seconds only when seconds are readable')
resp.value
3.05
